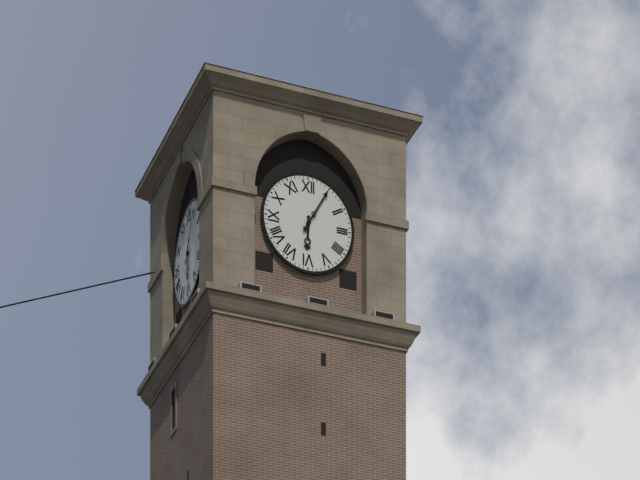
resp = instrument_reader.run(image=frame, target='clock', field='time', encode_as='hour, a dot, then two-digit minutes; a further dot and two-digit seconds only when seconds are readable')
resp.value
6.05
